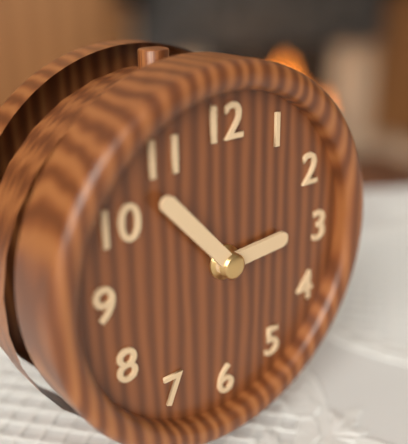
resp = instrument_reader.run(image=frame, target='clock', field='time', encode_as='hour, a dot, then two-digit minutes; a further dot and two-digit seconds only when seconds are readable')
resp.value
2.53
